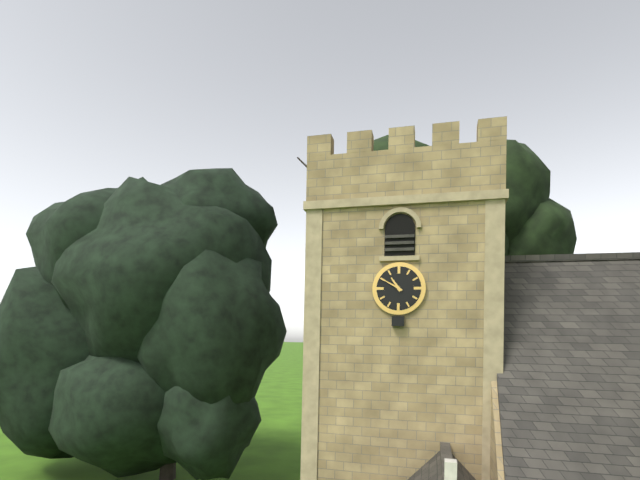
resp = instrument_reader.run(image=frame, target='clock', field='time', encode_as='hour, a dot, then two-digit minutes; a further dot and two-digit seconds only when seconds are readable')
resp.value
10.50
